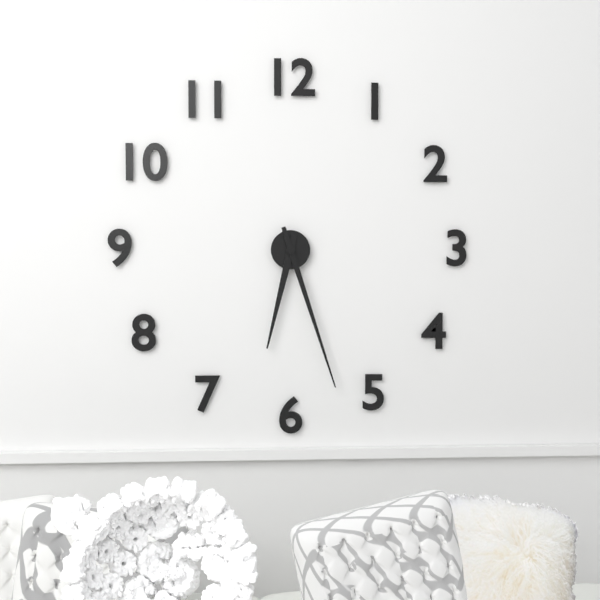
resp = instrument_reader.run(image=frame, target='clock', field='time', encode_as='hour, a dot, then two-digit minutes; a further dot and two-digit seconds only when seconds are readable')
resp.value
6.27
